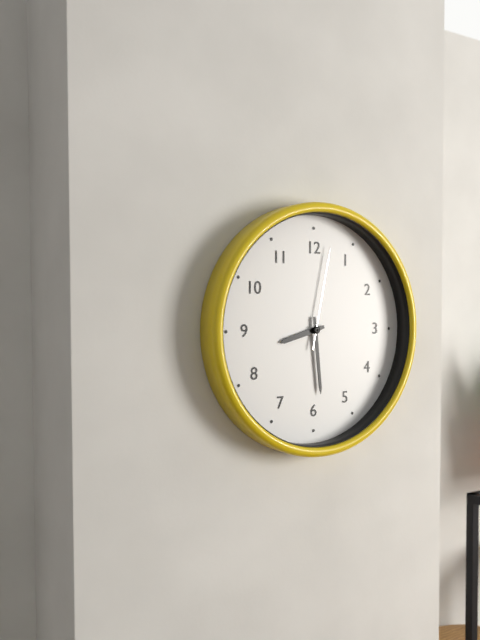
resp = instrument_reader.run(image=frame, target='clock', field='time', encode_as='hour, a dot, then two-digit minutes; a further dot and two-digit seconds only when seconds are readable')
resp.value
8.29.02
